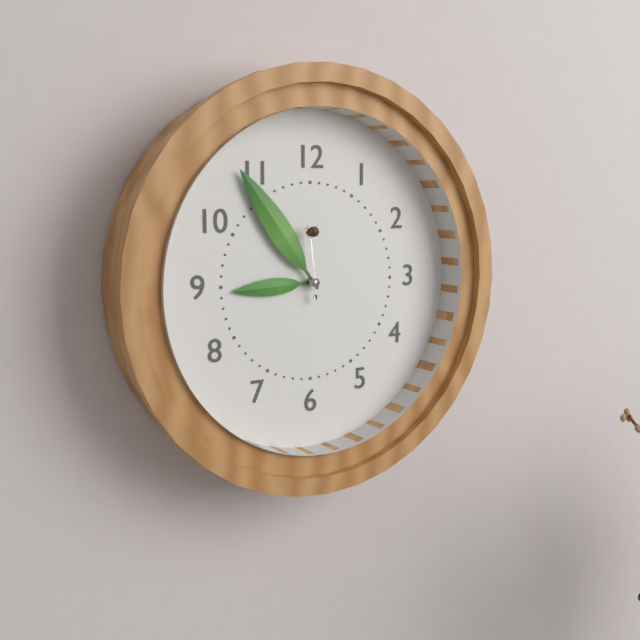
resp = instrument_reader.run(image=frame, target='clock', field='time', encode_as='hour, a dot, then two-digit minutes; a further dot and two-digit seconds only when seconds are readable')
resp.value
8.54.59
